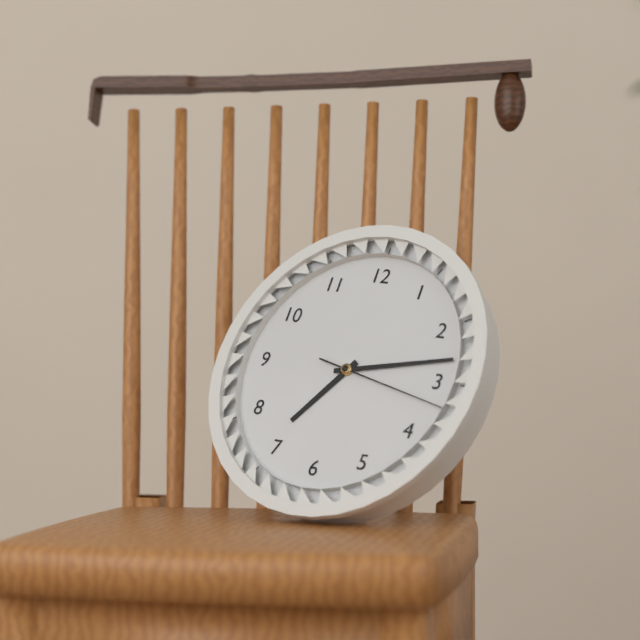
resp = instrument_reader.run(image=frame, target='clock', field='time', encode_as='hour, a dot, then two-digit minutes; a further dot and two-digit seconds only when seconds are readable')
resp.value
7.13.17
